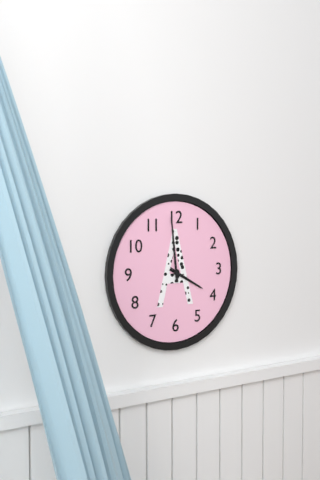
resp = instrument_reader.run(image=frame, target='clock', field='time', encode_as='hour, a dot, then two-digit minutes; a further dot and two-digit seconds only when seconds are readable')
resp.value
3.59
